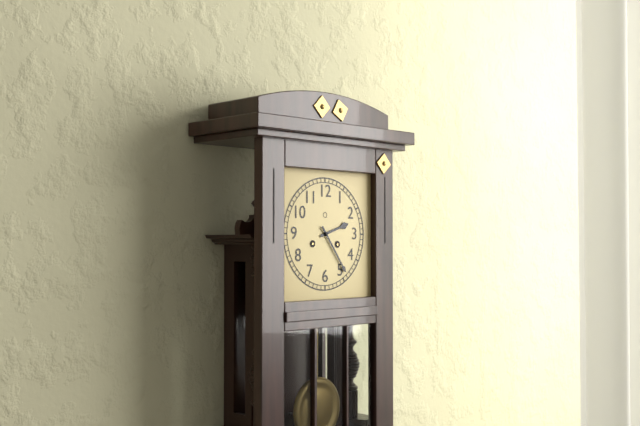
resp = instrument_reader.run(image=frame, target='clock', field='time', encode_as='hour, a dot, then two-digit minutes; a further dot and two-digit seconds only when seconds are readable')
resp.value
2.24
